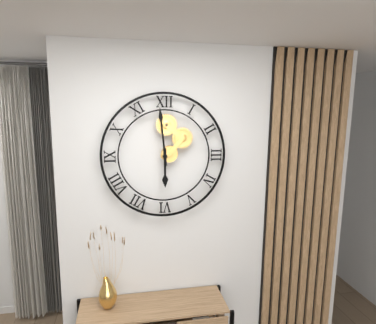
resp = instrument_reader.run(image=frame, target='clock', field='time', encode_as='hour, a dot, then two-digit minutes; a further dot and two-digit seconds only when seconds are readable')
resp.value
5.59
